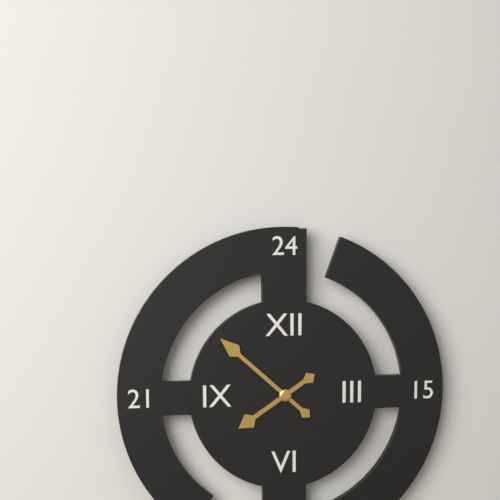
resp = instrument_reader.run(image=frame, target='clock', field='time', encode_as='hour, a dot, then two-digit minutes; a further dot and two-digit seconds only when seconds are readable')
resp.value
7.52
